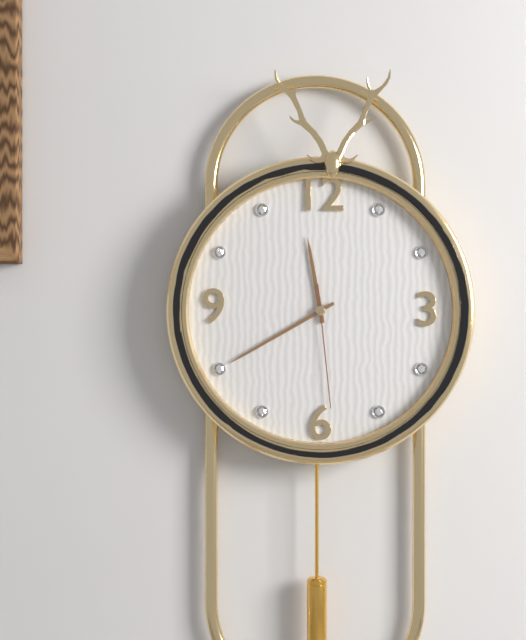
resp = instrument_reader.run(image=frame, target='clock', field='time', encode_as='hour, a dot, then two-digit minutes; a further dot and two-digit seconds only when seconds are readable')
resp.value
11.40.29
